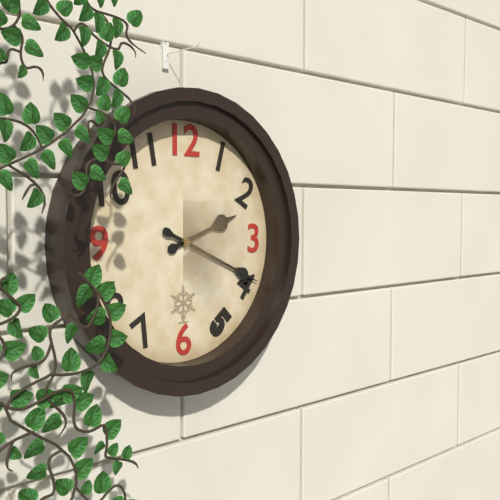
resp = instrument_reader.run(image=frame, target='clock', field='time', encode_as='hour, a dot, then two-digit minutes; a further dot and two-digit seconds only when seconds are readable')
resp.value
2.19
